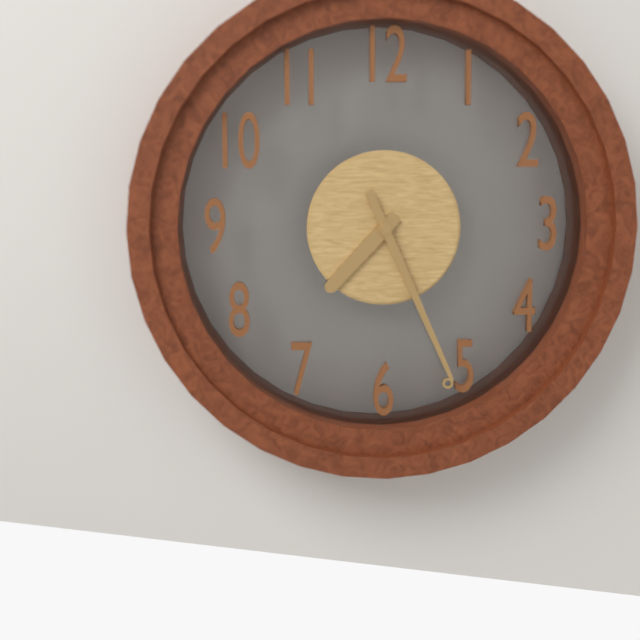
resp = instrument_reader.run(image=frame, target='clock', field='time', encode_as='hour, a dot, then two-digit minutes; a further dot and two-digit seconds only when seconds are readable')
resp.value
7.26
